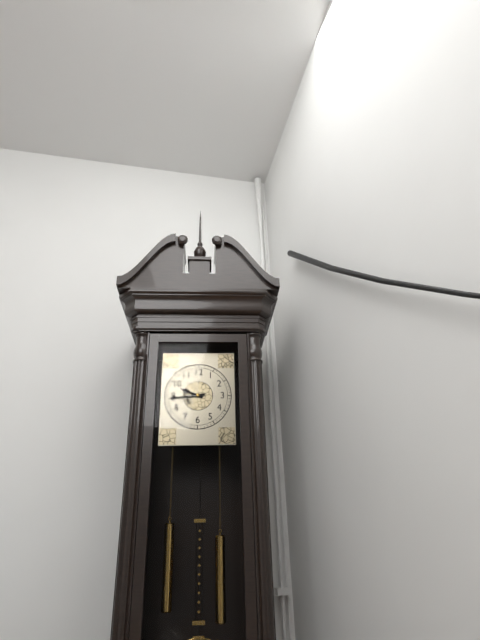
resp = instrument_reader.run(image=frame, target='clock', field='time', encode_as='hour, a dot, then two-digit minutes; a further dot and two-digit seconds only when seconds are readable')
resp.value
9.44
